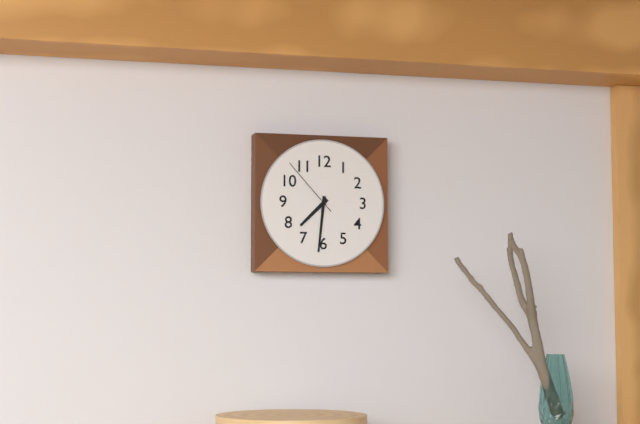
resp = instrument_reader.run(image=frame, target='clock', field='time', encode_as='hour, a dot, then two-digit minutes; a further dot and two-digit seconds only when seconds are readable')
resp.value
7.31.53
